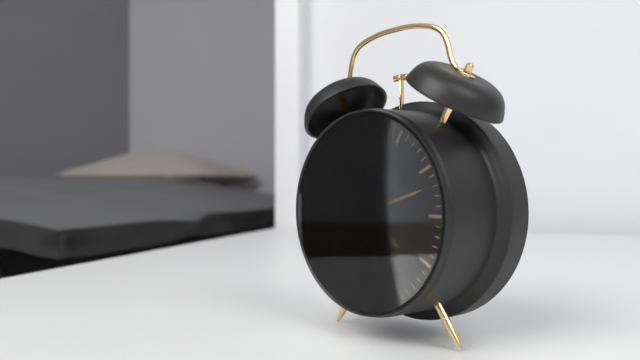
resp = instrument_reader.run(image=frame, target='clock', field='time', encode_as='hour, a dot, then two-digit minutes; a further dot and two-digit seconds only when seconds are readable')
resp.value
4.12.41
